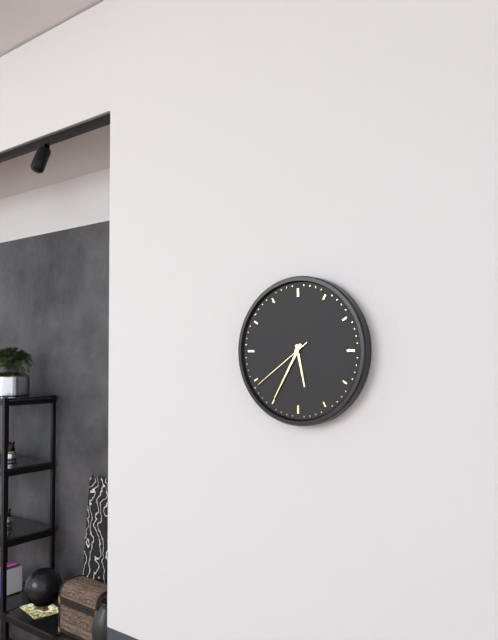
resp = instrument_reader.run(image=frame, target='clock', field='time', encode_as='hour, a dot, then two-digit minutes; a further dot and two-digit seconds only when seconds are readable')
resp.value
5.35.39
